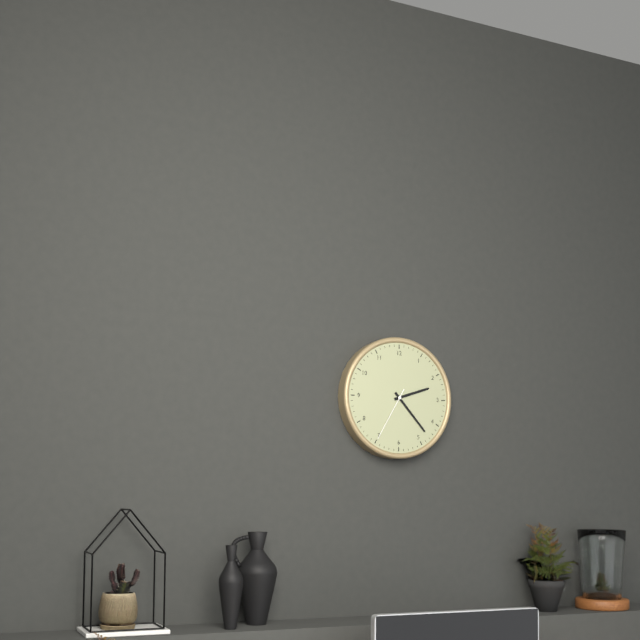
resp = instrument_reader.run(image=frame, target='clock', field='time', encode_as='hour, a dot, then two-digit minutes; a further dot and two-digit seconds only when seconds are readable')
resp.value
2.23.35
